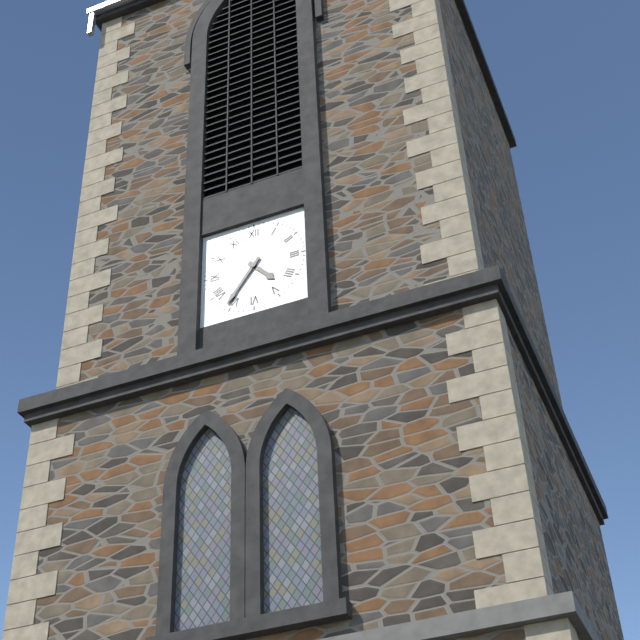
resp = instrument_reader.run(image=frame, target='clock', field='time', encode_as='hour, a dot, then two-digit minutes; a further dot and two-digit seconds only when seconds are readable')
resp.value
4.36
